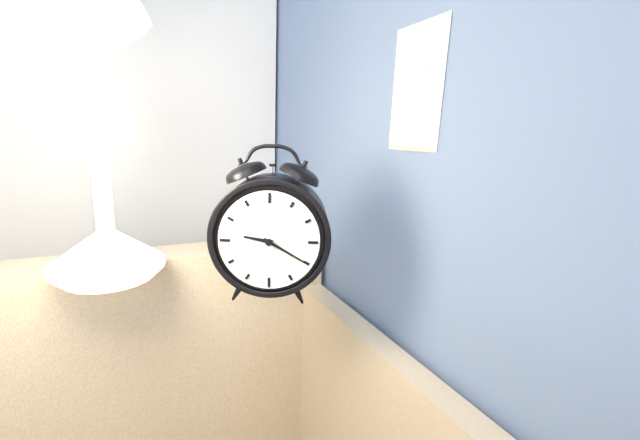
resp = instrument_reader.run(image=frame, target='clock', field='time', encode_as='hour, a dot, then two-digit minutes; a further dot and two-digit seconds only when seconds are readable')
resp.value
9.20
